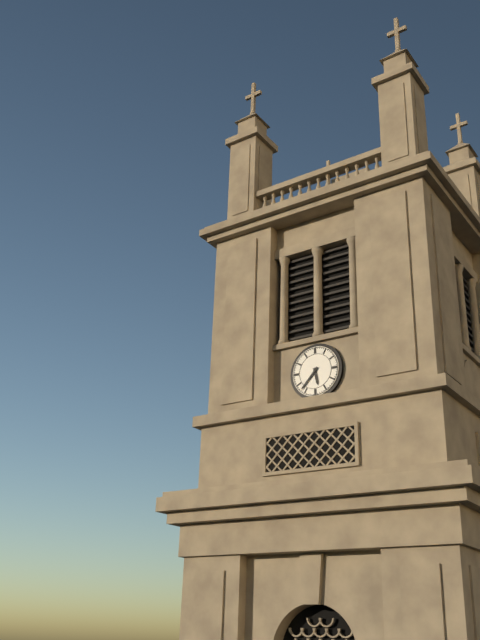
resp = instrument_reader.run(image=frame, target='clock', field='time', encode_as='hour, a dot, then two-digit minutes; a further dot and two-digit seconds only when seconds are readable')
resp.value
5.37
